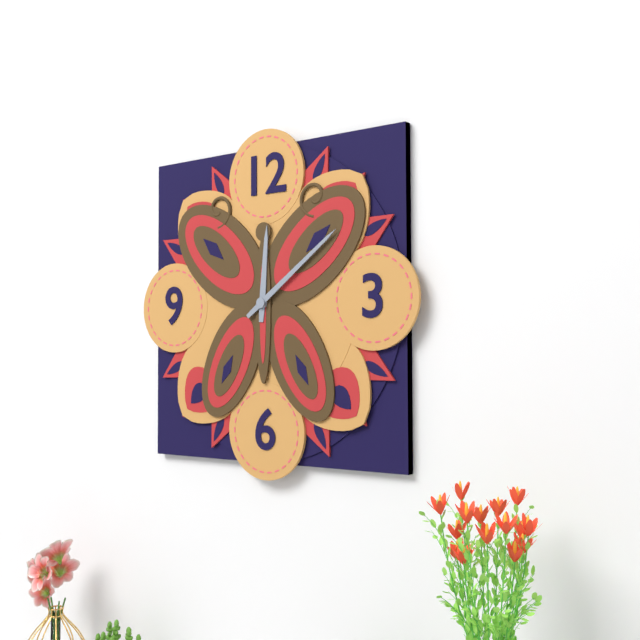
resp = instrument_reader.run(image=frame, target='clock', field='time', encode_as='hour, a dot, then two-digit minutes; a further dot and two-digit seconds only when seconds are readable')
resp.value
12.09
